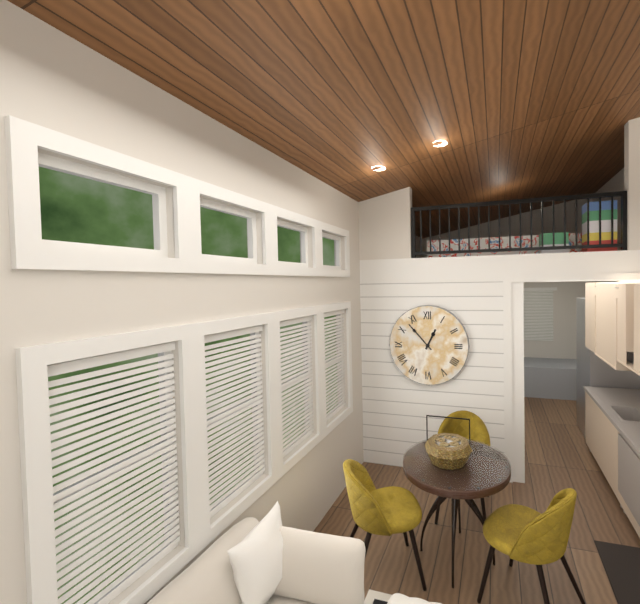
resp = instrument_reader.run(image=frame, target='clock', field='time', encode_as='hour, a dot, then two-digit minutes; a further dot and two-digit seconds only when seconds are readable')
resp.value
12.53
